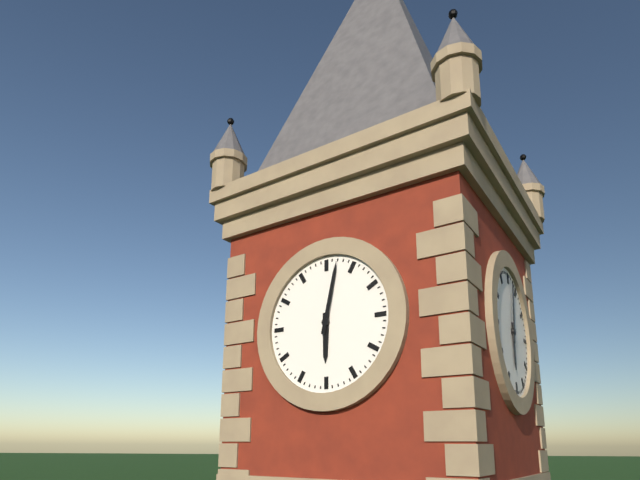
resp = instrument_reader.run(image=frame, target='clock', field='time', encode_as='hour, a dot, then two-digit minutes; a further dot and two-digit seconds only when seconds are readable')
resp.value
6.02
